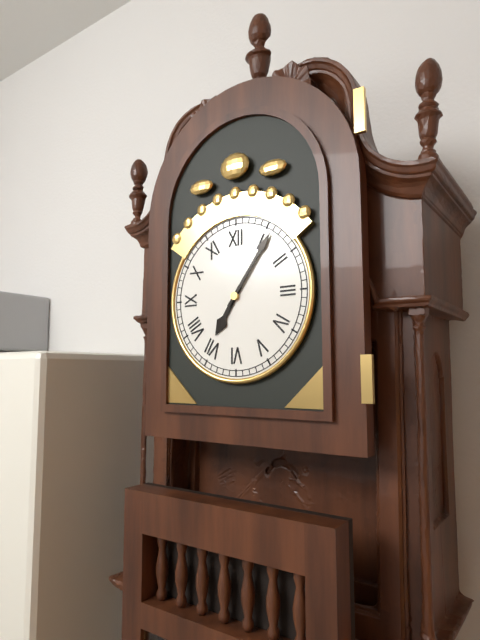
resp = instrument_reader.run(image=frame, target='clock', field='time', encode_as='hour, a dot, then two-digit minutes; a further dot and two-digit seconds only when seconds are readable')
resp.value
7.06
